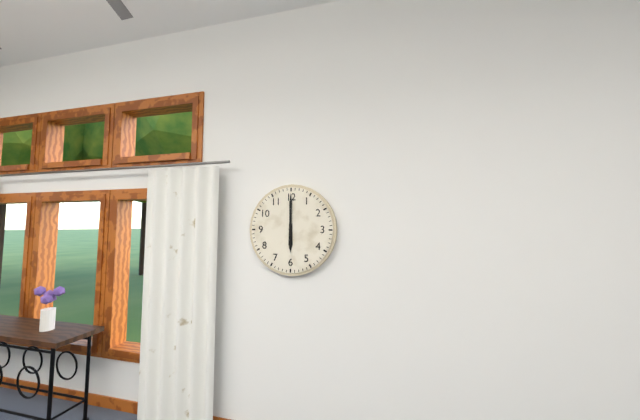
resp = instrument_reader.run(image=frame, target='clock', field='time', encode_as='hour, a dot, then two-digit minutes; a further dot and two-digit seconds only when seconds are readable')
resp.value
6.00
